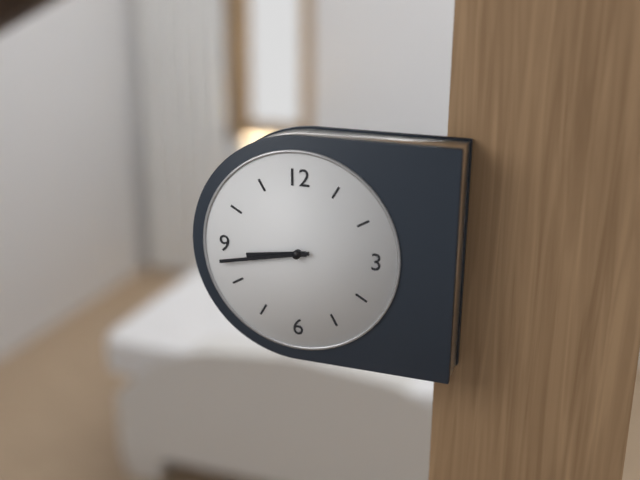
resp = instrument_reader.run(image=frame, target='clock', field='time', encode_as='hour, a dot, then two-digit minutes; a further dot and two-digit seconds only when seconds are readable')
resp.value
8.43
